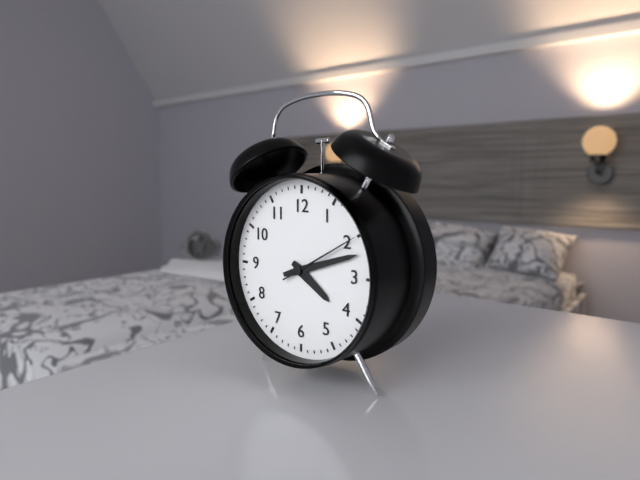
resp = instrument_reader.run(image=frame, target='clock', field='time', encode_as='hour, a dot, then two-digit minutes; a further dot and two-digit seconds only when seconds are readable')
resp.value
4.12.10
